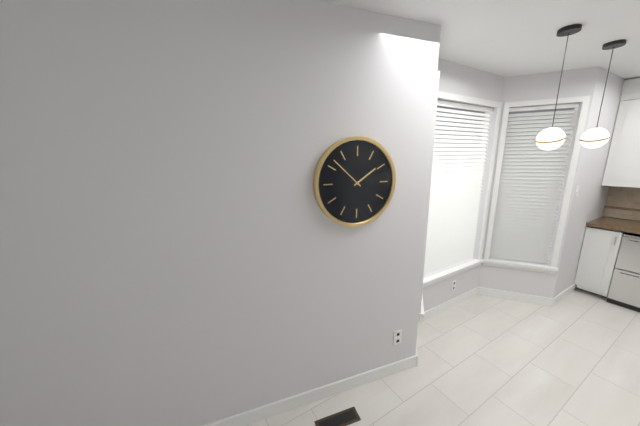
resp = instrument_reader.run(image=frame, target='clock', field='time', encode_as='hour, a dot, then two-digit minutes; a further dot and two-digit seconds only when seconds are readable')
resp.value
1.52
